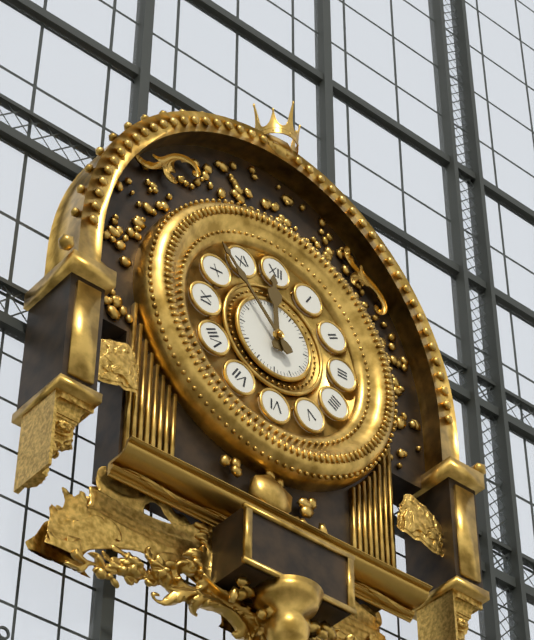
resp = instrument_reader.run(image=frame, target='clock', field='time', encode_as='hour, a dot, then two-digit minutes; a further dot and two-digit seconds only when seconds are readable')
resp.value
11.53
